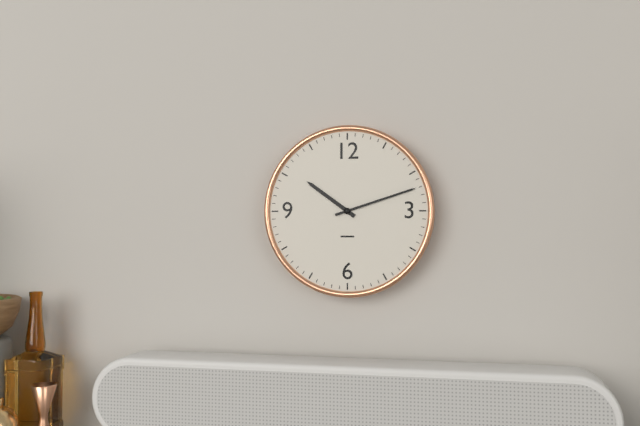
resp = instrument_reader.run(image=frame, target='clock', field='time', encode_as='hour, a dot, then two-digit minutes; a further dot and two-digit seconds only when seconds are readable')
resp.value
10.12
